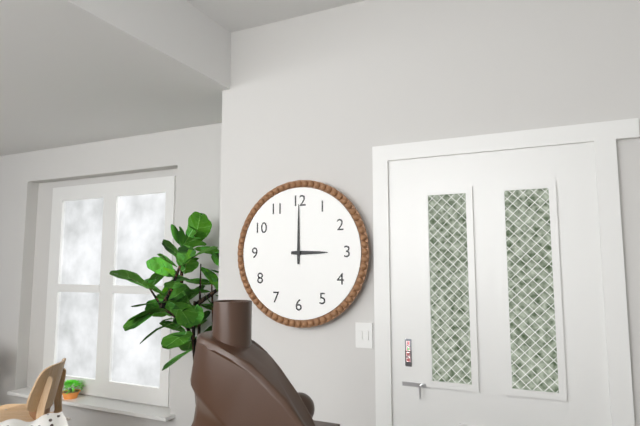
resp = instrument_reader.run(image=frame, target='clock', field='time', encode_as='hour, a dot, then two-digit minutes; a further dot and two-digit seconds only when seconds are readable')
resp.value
3.00
